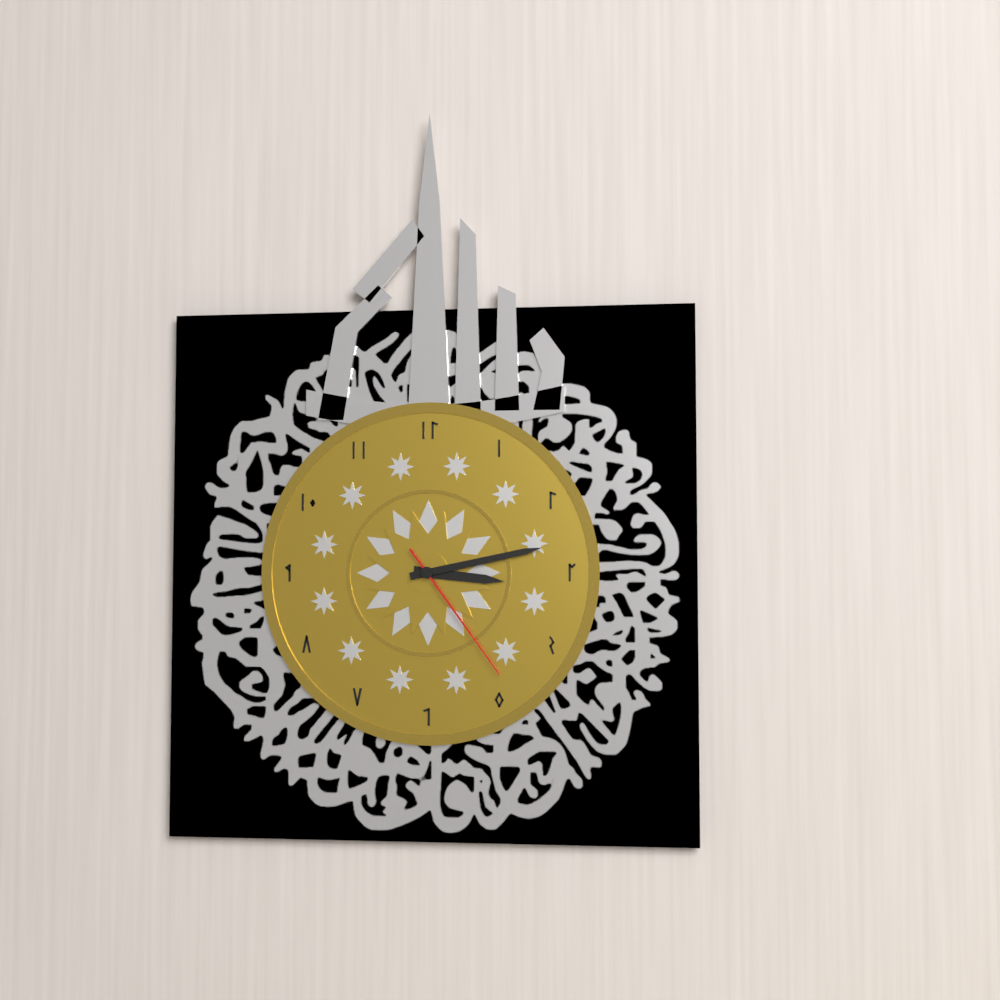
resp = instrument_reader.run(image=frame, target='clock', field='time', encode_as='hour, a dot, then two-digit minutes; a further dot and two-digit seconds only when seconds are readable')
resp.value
3.13.24
